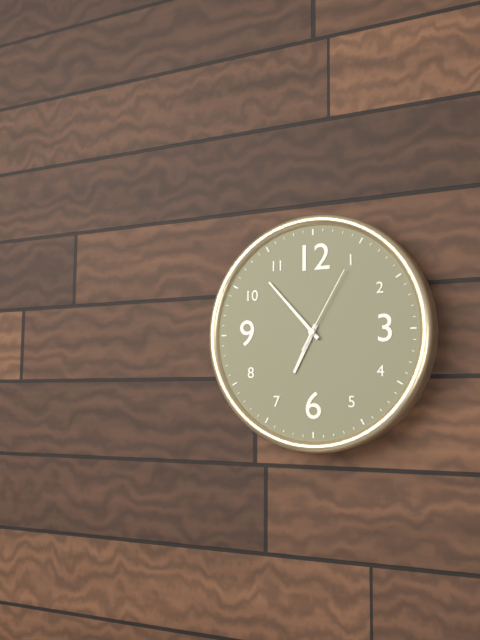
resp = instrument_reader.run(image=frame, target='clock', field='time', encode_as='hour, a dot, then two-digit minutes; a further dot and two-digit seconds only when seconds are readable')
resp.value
6.53.05
